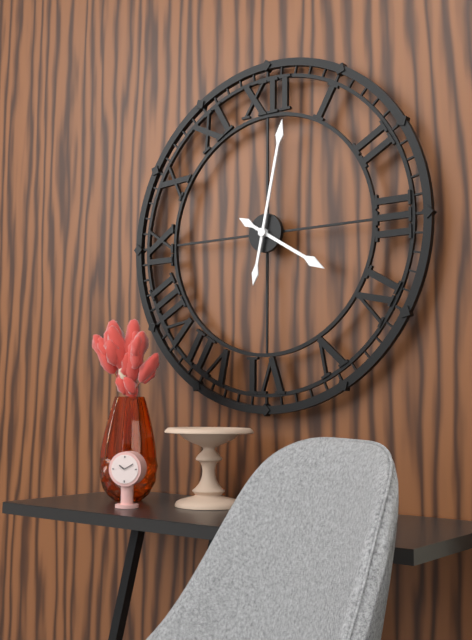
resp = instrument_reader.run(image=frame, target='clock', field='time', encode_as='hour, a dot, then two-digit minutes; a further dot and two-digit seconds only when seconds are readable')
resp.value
4.02
